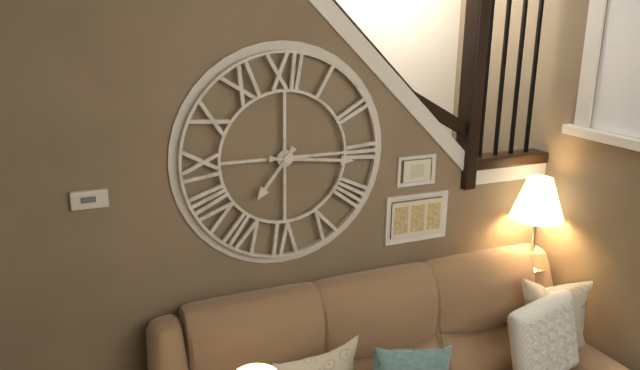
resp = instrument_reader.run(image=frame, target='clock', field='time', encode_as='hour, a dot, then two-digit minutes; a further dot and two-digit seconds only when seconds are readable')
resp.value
7.16
